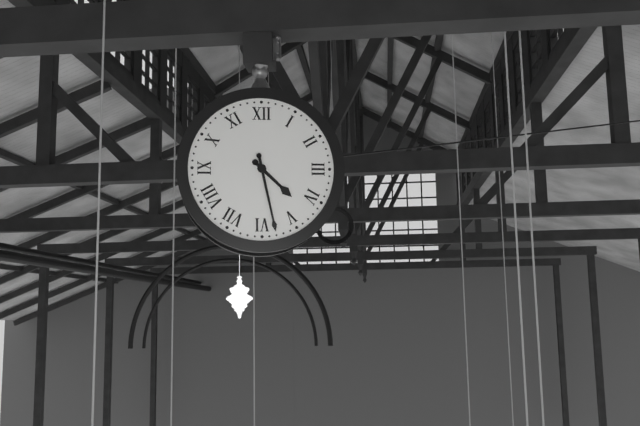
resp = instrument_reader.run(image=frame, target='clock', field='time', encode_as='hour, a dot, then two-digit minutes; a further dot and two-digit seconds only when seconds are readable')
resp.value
4.28
